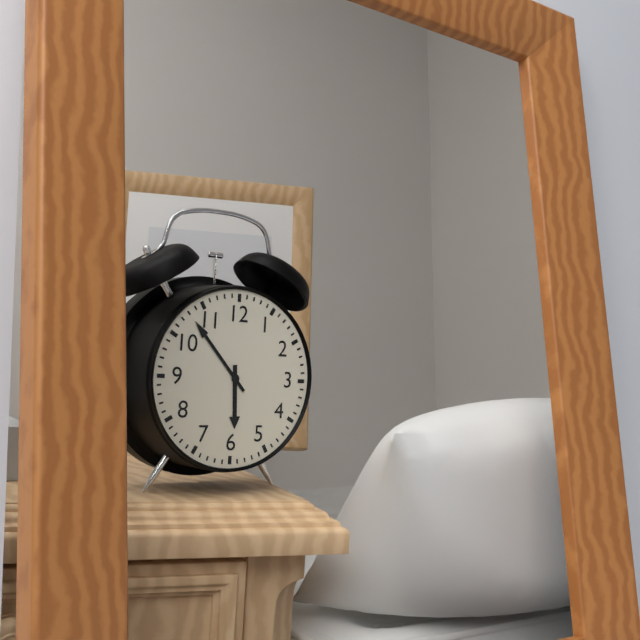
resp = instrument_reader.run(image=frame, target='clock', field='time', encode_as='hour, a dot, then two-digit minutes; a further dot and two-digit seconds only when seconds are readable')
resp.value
5.53
